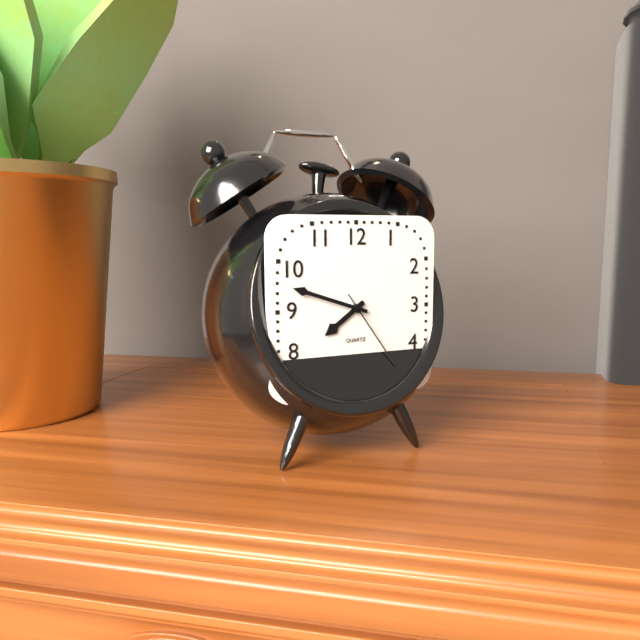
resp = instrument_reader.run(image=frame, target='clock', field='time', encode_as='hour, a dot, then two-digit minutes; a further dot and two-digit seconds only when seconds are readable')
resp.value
7.48.24
